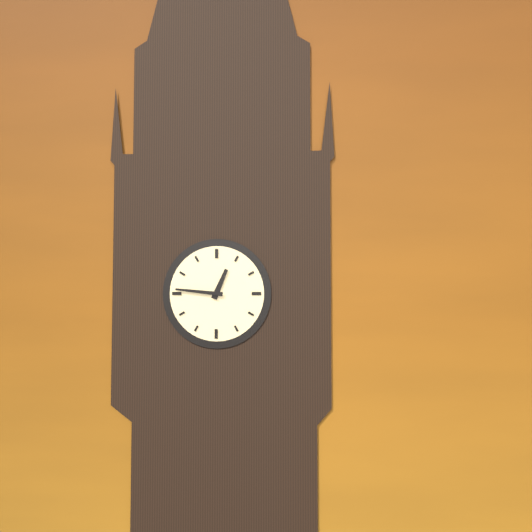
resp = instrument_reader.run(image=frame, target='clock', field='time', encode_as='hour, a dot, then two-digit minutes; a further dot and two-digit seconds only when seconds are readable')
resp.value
12.46
